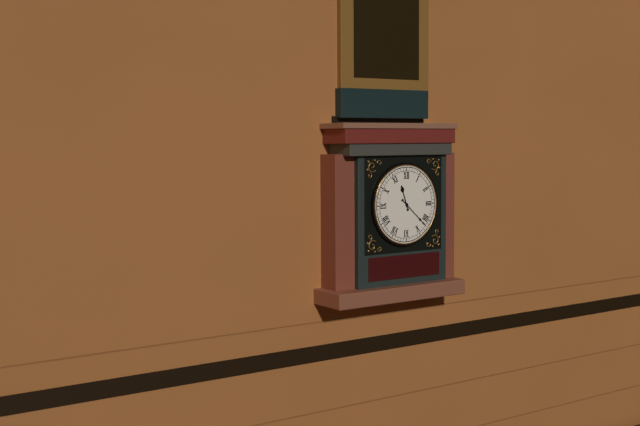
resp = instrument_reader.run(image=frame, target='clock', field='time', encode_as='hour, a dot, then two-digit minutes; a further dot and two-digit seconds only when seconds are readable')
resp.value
11.22
